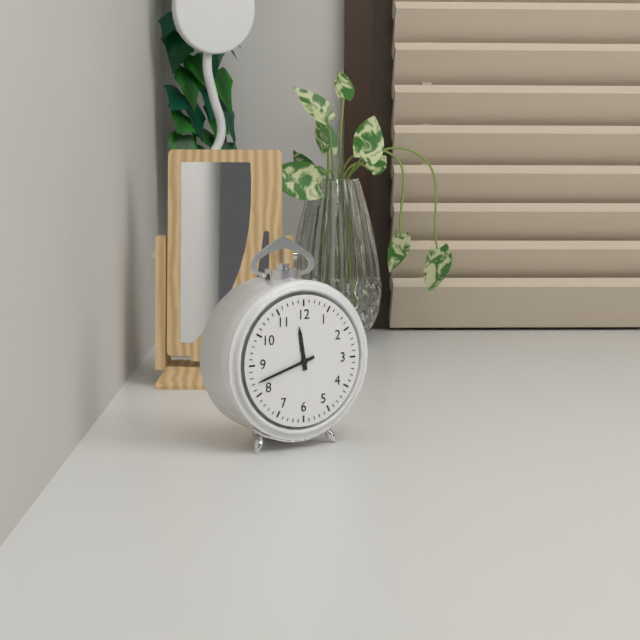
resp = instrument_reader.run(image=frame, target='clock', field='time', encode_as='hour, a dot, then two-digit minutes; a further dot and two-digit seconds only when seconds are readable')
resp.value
11.42
